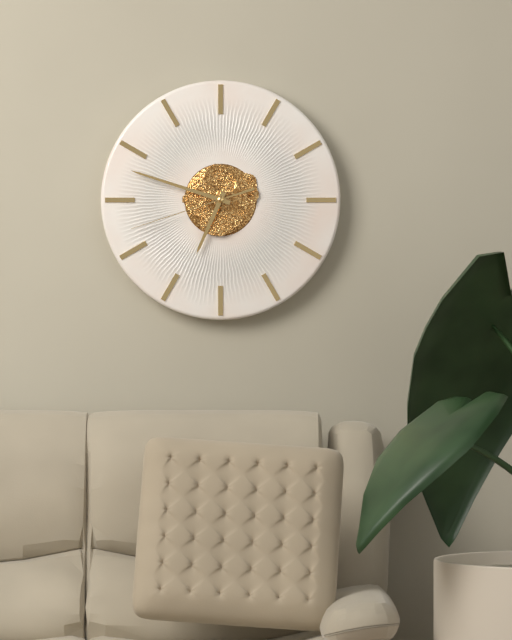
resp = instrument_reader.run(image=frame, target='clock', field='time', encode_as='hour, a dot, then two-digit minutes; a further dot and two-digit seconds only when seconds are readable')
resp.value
6.48.42
